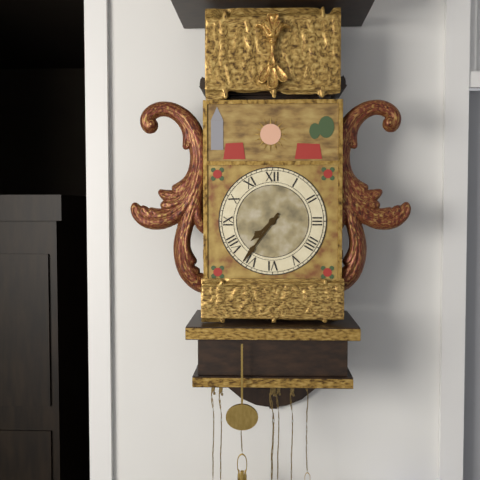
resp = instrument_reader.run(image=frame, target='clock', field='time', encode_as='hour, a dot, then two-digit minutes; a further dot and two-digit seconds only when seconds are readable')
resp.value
7.36
